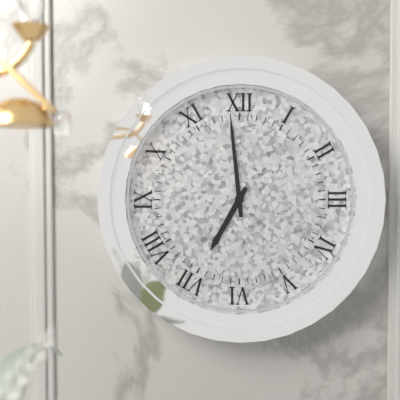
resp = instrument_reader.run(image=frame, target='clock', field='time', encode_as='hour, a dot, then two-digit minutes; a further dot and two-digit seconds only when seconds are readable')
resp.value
6.59
